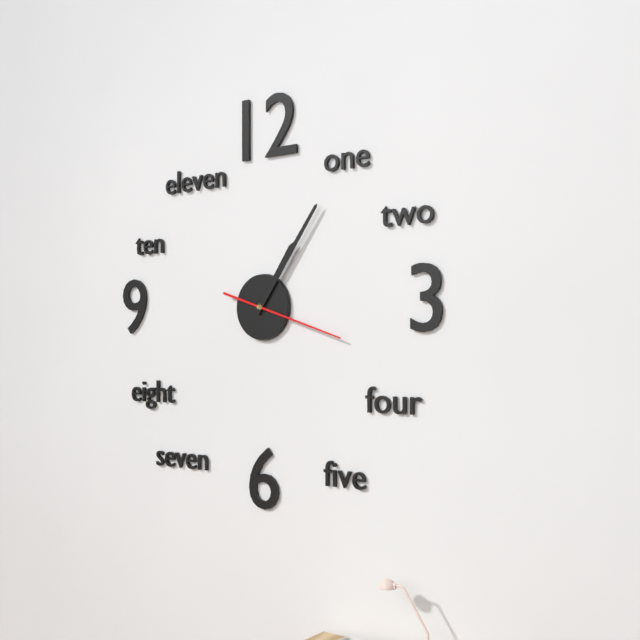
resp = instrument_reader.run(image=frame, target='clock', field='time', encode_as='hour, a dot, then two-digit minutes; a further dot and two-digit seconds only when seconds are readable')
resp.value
1.06.18
